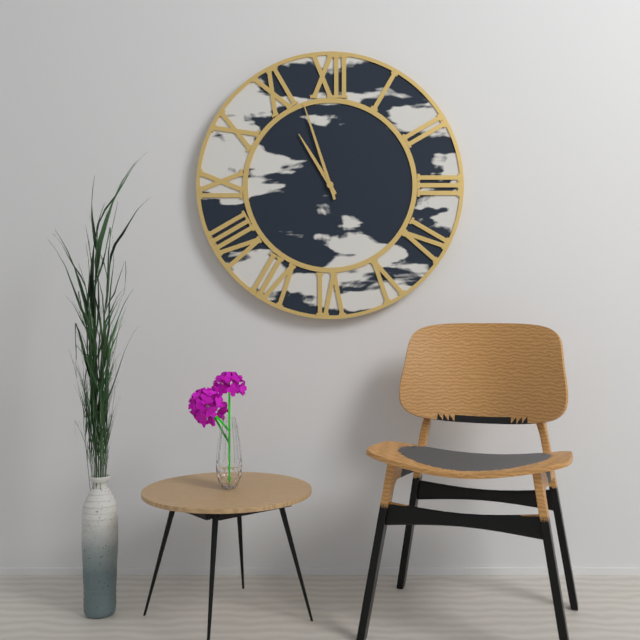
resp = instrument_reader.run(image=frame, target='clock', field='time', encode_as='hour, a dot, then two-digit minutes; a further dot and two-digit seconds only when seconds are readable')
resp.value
10.57
